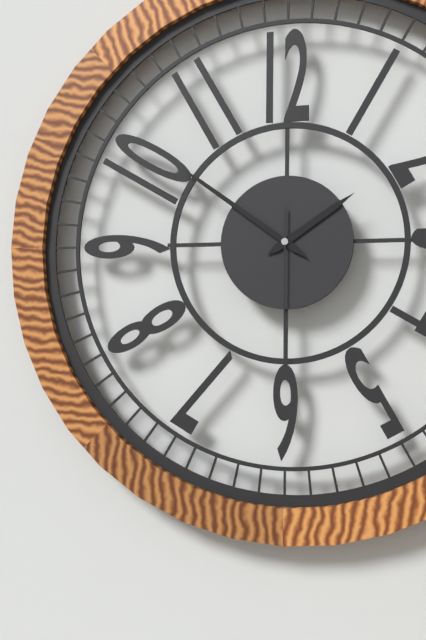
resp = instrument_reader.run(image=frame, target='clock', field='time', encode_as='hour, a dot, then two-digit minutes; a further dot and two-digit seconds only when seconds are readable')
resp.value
1.51.30
